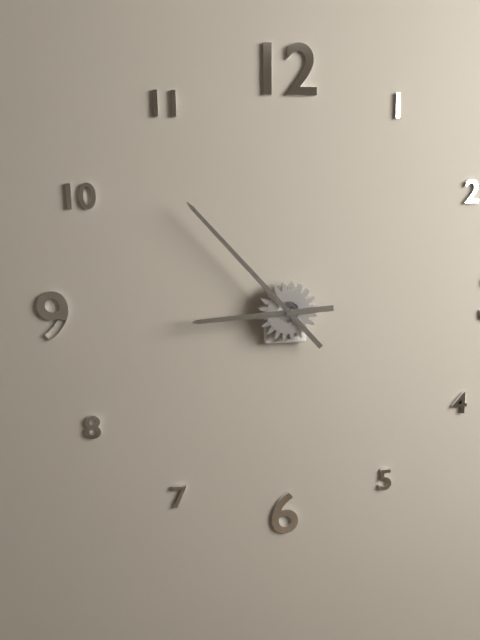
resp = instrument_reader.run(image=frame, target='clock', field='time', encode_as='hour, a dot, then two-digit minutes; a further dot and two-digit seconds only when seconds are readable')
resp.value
8.53
